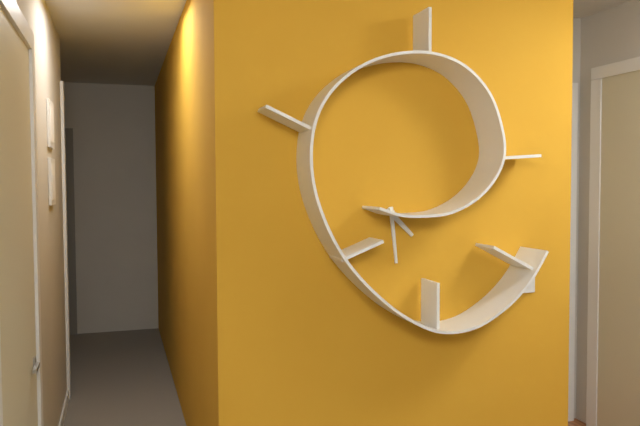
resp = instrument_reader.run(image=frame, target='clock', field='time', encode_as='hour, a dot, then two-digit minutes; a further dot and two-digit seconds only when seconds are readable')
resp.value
4.29
